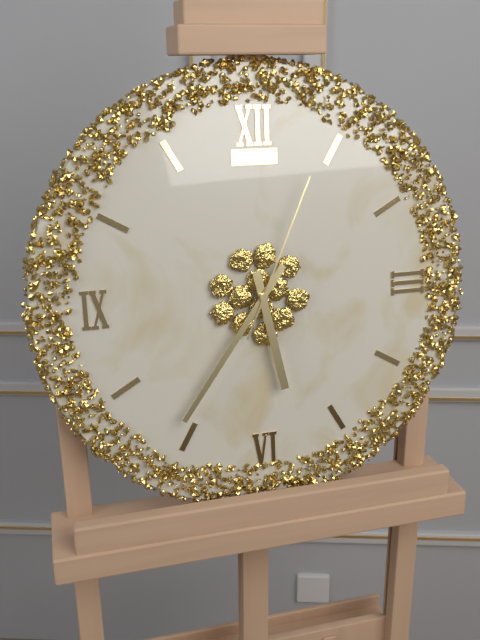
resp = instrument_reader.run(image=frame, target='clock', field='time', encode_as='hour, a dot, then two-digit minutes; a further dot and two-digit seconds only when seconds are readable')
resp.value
5.36.04
